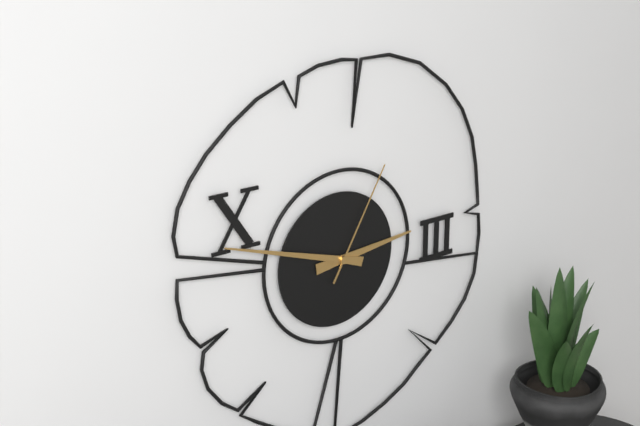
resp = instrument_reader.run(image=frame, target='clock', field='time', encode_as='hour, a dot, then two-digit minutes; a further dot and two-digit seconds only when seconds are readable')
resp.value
2.48.05
